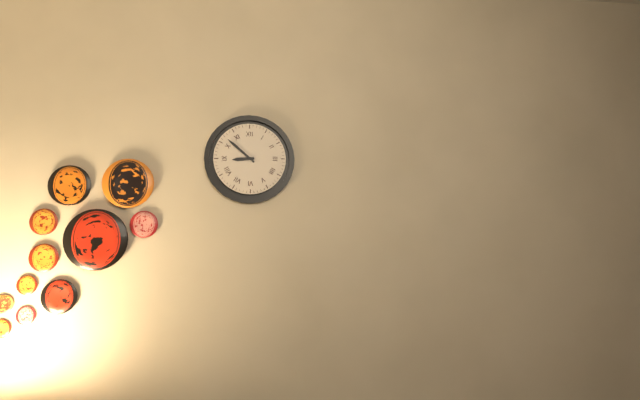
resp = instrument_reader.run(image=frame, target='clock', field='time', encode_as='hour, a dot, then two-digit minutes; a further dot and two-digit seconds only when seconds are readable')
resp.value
8.52
